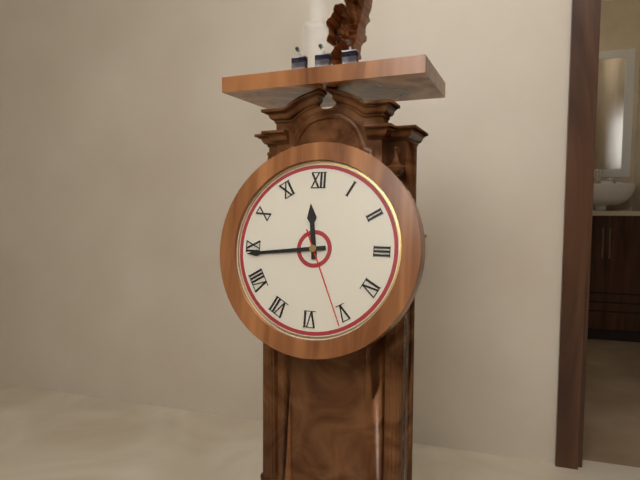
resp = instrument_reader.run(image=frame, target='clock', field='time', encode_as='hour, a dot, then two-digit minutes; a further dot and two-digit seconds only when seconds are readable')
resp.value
11.44.26
